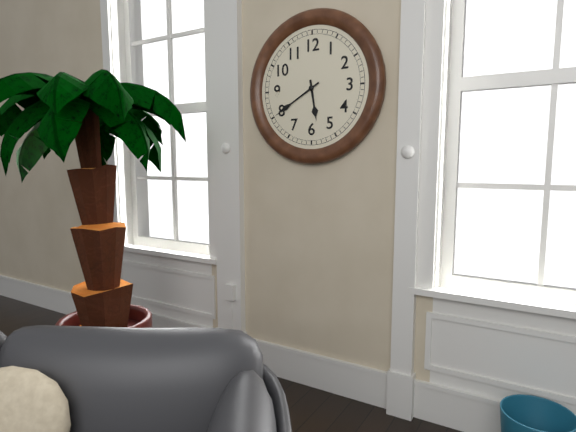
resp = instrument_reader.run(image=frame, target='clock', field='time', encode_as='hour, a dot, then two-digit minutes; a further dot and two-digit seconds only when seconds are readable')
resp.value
5.40
